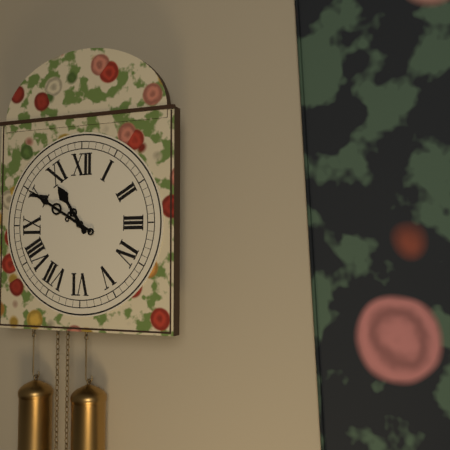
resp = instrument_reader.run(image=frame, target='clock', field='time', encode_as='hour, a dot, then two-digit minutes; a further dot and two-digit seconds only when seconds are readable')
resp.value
10.50
